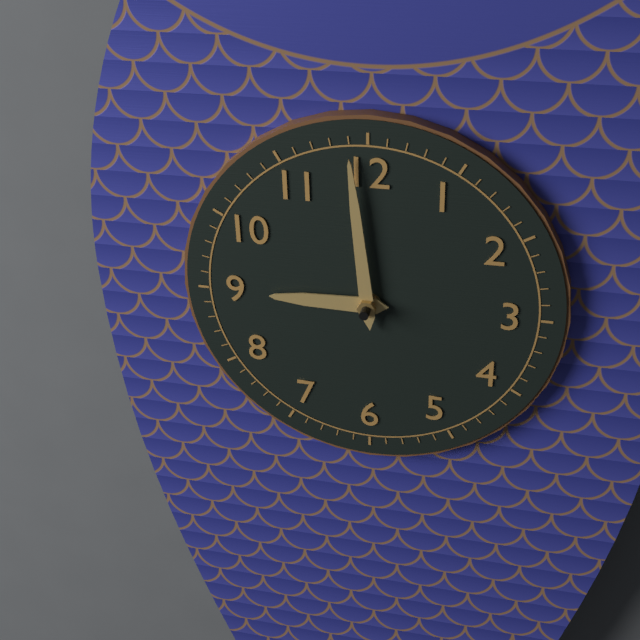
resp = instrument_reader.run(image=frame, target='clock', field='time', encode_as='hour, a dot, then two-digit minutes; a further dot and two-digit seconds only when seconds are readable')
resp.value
8.59
